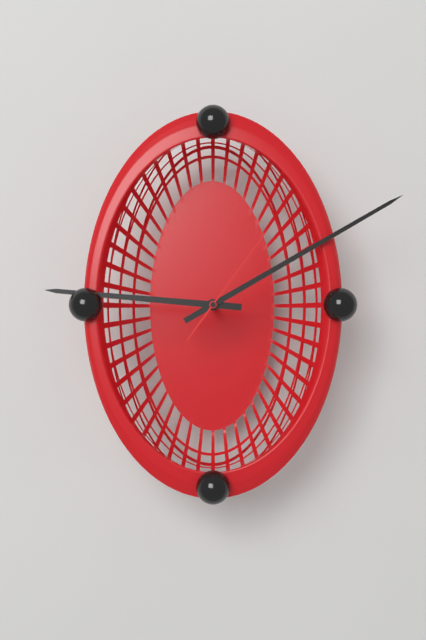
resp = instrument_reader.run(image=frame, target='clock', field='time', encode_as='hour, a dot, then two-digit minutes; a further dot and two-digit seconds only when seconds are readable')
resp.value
9.10.06
